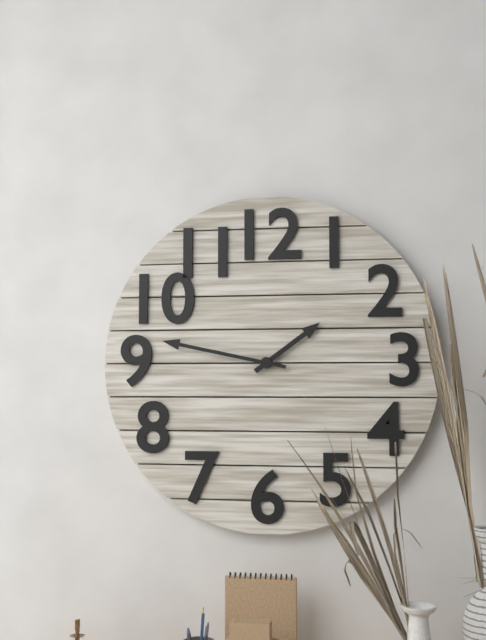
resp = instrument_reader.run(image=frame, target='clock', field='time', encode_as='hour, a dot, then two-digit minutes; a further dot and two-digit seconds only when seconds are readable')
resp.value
1.47
